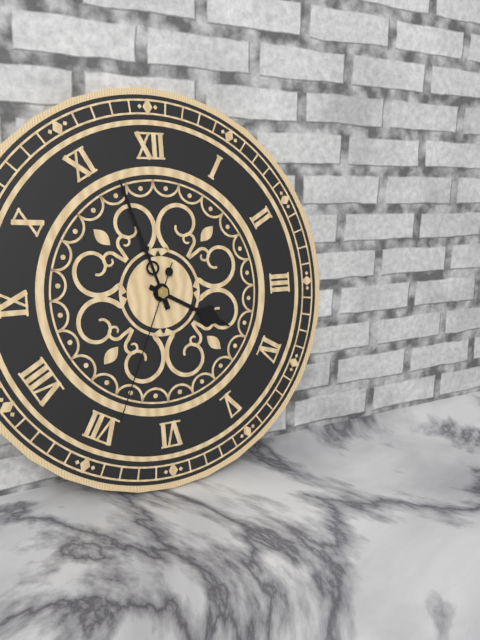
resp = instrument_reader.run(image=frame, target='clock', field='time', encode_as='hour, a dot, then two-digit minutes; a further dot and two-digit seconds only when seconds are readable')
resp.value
3.57.34
